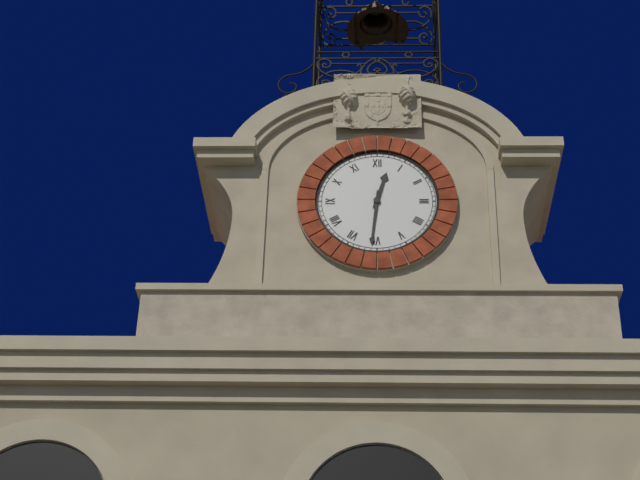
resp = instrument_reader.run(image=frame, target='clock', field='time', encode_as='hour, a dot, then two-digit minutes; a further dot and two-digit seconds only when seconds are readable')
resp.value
12.31
